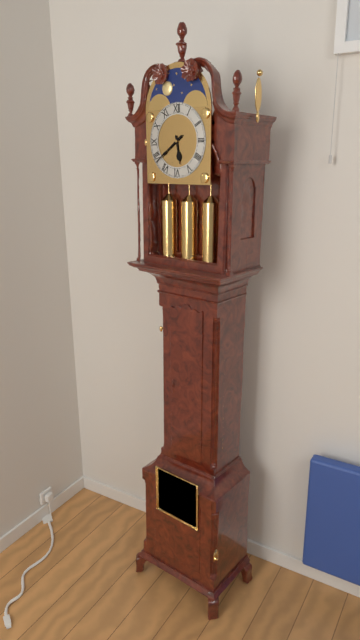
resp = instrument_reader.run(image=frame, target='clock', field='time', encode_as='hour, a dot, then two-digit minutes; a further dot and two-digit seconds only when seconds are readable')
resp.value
5.39
